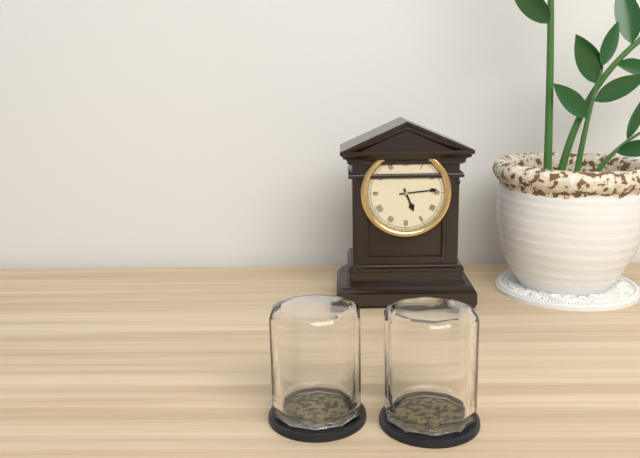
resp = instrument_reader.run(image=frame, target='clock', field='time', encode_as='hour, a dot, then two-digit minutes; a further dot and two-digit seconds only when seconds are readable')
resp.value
5.14
